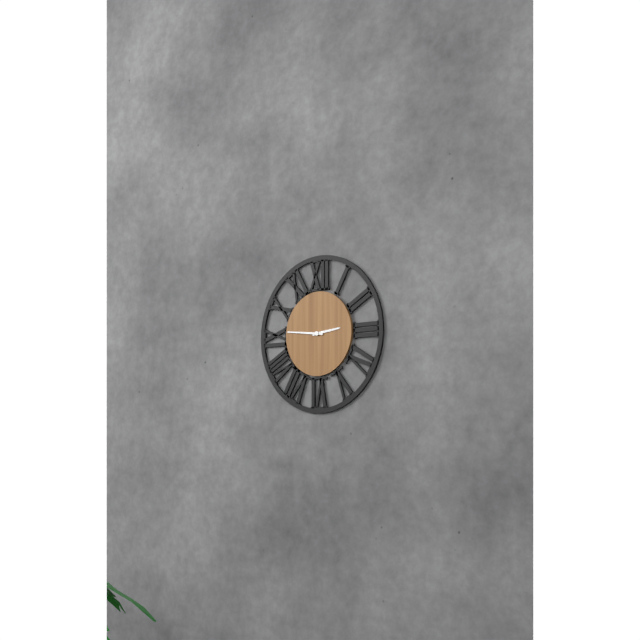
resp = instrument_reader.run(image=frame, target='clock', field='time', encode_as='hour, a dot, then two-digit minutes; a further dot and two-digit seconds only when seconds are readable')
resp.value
2.46
